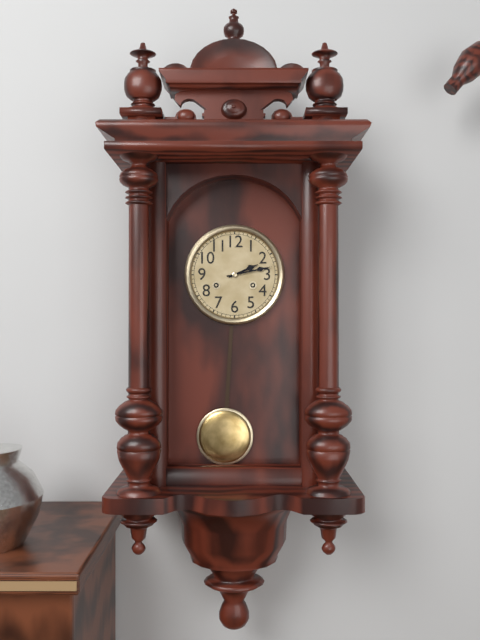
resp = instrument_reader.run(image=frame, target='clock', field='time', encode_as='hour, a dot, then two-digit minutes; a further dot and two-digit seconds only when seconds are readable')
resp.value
2.13
